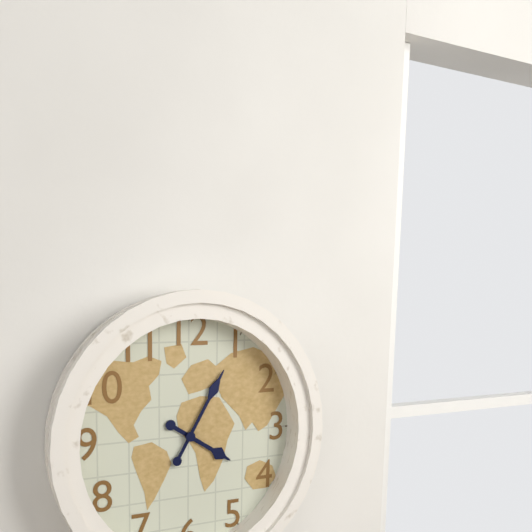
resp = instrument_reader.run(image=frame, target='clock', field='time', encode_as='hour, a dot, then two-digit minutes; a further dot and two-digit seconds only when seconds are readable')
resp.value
4.05
